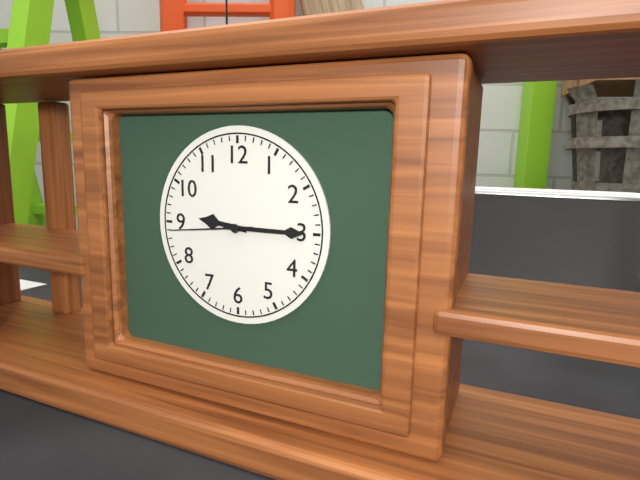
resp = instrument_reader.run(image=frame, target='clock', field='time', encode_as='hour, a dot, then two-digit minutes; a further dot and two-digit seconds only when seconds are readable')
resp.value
9.15.44
